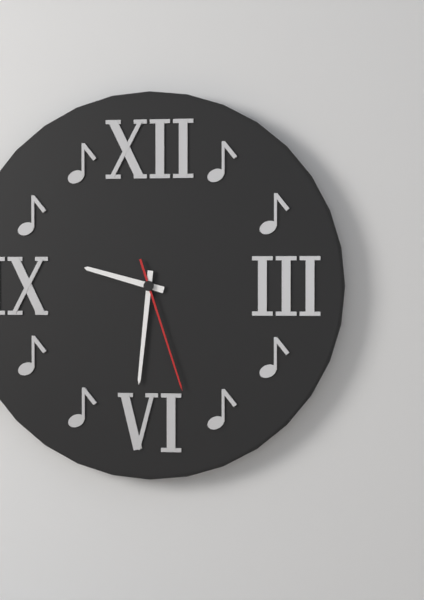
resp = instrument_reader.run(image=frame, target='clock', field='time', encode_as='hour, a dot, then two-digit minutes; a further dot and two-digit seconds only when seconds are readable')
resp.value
9.31.27
